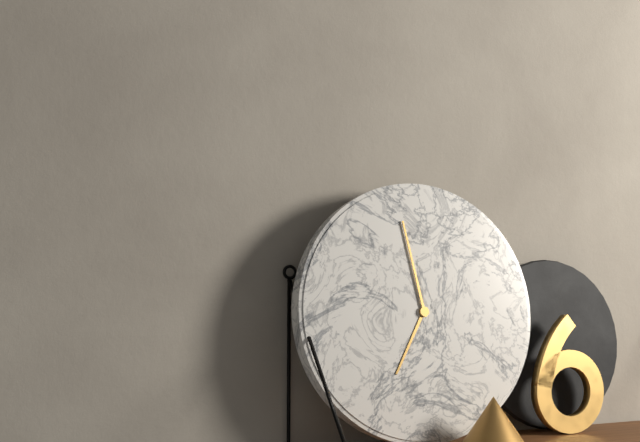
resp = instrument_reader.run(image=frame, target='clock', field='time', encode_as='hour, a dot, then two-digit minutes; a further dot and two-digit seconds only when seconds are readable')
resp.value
6.58
